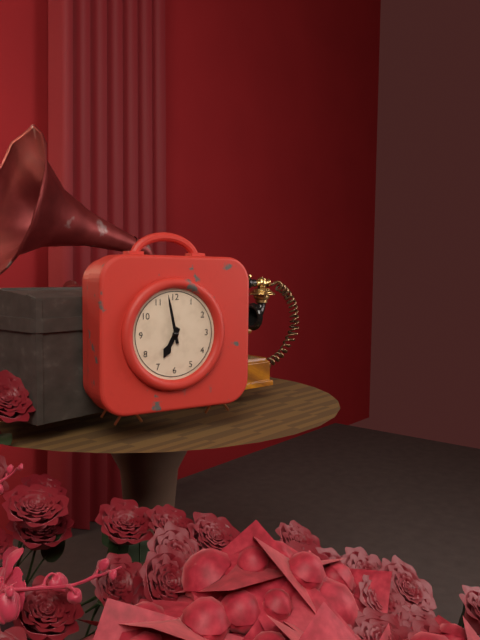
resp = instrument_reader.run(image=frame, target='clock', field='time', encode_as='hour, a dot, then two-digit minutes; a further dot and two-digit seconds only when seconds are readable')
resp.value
6.58
